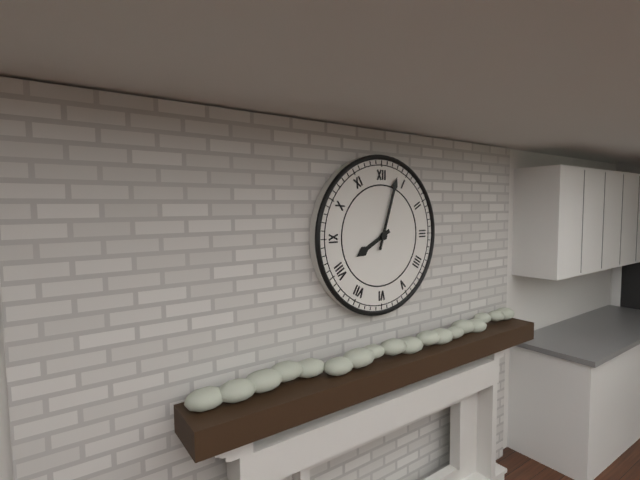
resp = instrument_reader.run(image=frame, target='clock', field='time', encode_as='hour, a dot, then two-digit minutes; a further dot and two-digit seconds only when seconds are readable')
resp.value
8.03
